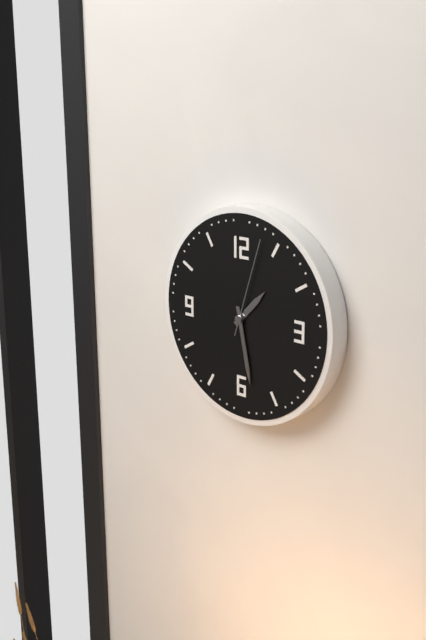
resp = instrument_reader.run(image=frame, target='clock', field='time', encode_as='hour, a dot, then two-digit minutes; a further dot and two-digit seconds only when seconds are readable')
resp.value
1.28.03
